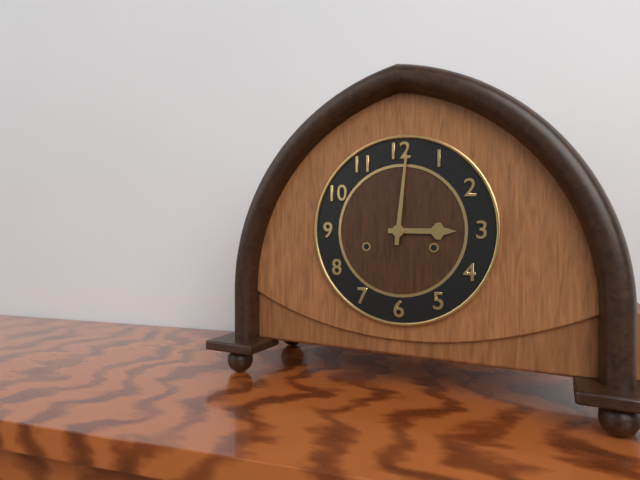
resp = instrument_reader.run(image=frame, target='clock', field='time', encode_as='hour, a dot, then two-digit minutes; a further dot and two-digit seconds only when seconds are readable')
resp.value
3.01
